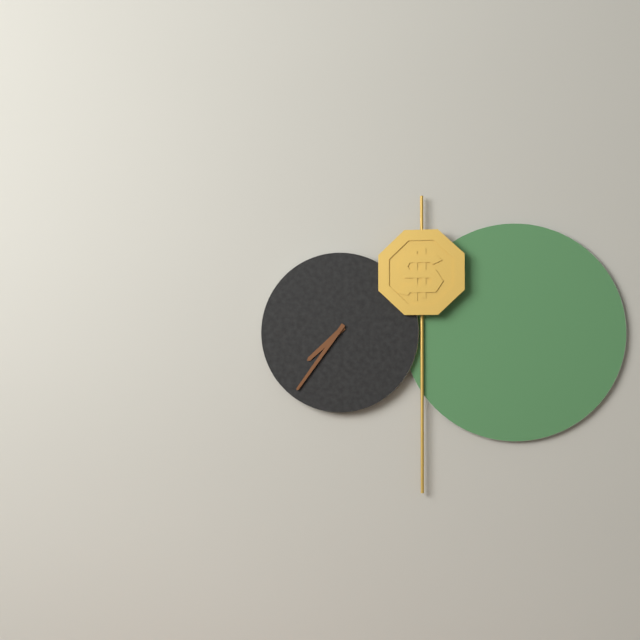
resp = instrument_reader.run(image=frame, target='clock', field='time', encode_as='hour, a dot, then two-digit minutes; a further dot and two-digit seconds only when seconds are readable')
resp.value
7.36
